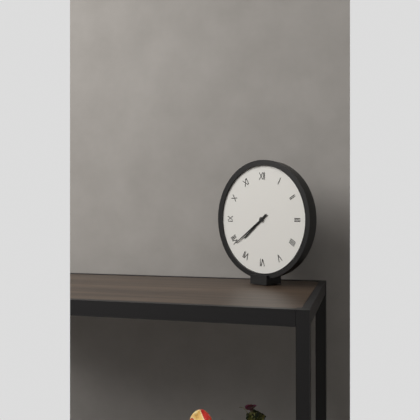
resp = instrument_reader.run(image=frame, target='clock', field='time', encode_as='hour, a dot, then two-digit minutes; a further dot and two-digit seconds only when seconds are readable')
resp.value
7.39
